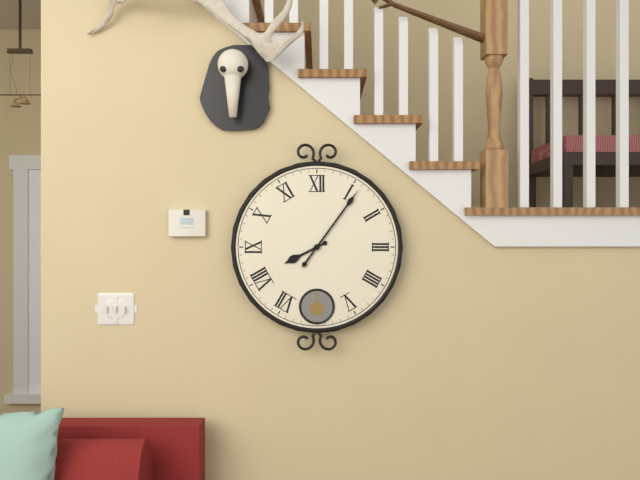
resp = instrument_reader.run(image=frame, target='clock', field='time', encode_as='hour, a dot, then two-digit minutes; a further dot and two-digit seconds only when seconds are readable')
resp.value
8.06
